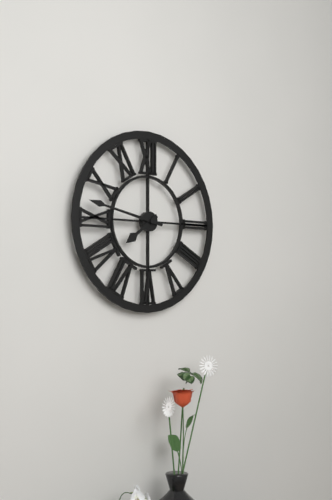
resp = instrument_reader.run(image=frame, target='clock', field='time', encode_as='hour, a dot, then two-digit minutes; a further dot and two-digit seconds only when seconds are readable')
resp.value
7.47
